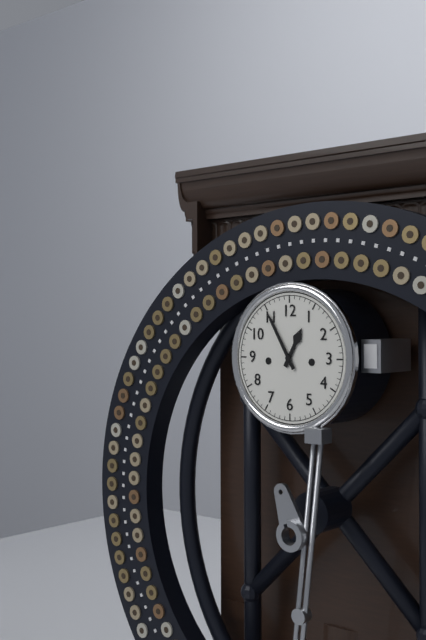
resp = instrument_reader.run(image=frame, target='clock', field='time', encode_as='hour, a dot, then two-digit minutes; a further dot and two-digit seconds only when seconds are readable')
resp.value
12.55
